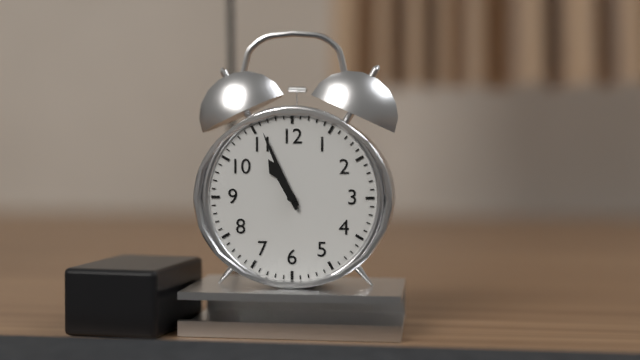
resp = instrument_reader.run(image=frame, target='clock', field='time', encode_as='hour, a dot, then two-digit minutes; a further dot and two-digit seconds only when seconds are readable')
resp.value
10.56
